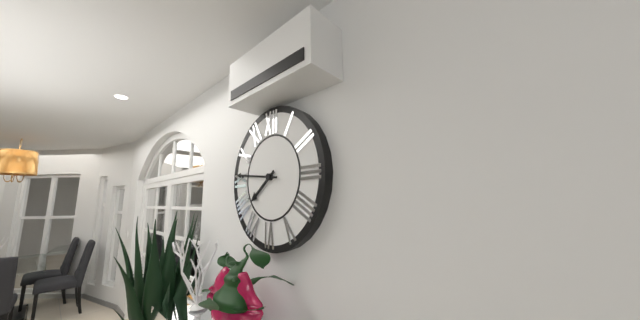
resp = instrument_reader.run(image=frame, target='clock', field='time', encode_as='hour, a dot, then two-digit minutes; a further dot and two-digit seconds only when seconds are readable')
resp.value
7.46
